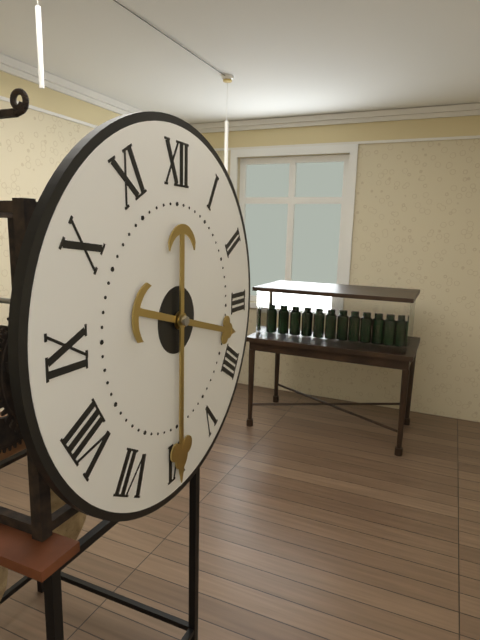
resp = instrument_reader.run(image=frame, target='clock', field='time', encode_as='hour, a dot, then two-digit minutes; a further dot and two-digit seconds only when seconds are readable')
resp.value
3.30
